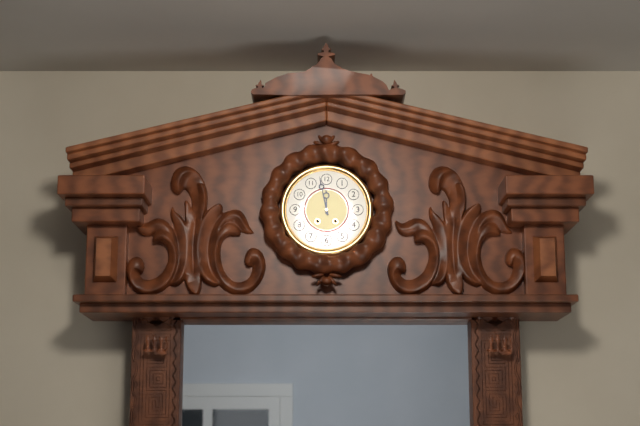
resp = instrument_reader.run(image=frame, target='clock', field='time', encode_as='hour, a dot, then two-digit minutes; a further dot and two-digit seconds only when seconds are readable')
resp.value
11.58
